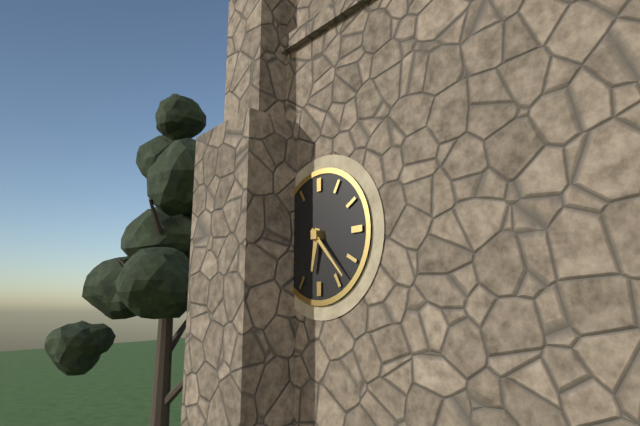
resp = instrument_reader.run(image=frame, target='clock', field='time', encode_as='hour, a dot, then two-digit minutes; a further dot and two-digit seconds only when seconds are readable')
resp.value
6.23
